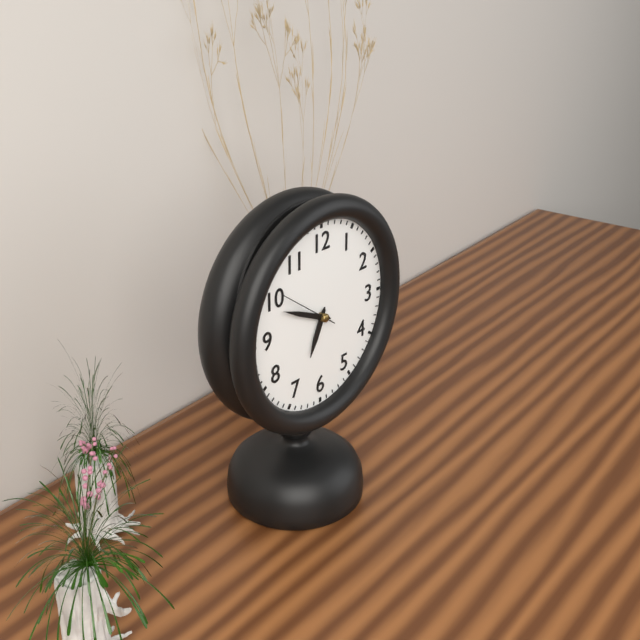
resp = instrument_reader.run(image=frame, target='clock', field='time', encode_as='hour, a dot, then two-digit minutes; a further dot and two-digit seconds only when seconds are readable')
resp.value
6.49
